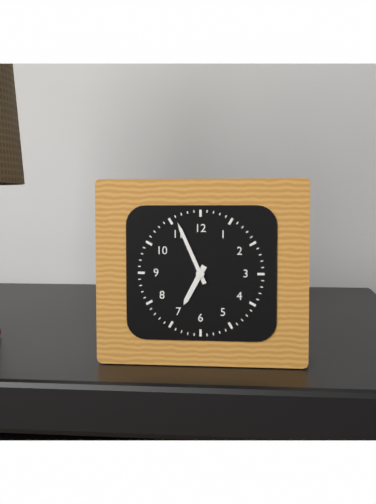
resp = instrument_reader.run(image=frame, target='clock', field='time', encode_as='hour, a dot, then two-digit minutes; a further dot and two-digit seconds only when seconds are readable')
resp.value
6.56
